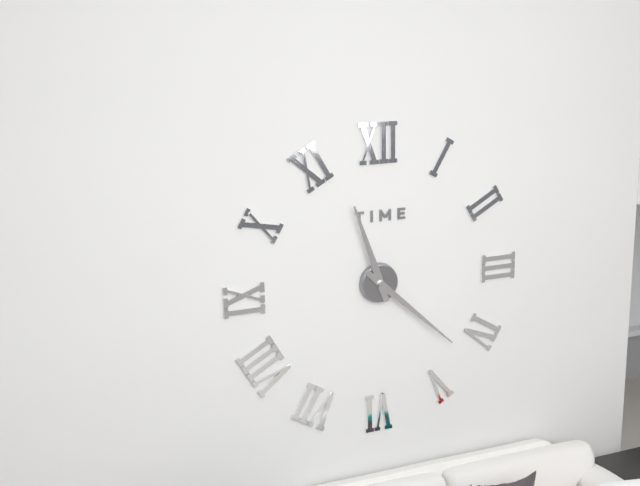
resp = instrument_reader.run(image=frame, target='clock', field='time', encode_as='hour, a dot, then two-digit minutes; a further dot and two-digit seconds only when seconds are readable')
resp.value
11.22
